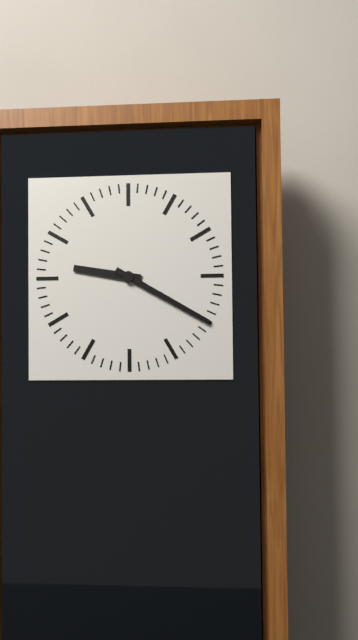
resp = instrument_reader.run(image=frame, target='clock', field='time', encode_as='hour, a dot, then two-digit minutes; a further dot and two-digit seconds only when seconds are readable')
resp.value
9.20
